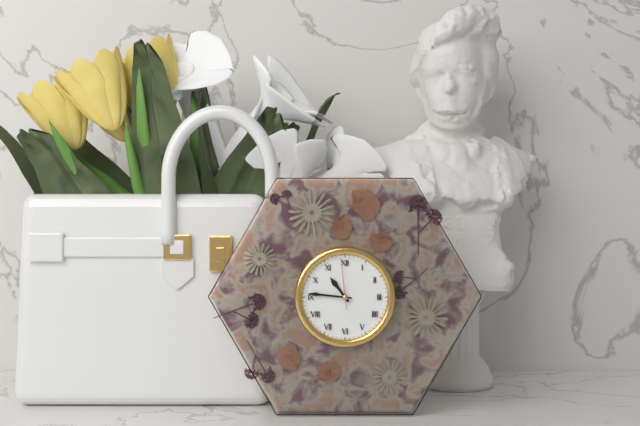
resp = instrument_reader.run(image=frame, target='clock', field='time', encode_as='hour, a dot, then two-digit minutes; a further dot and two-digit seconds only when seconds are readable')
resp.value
10.46
